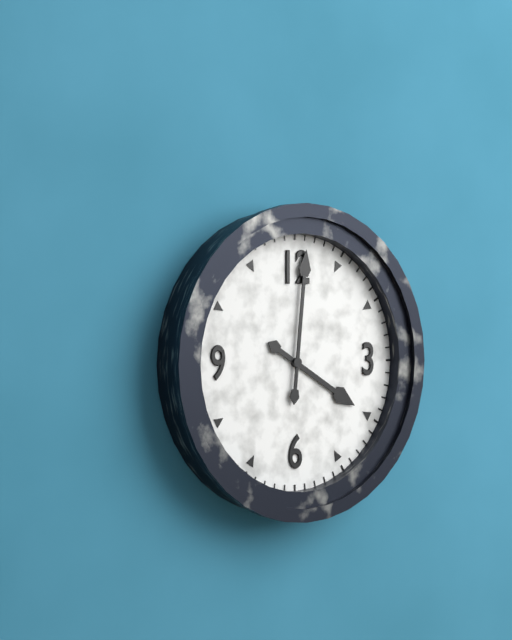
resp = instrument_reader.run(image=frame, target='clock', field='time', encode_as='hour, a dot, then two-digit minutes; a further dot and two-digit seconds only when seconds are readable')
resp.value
4.01
